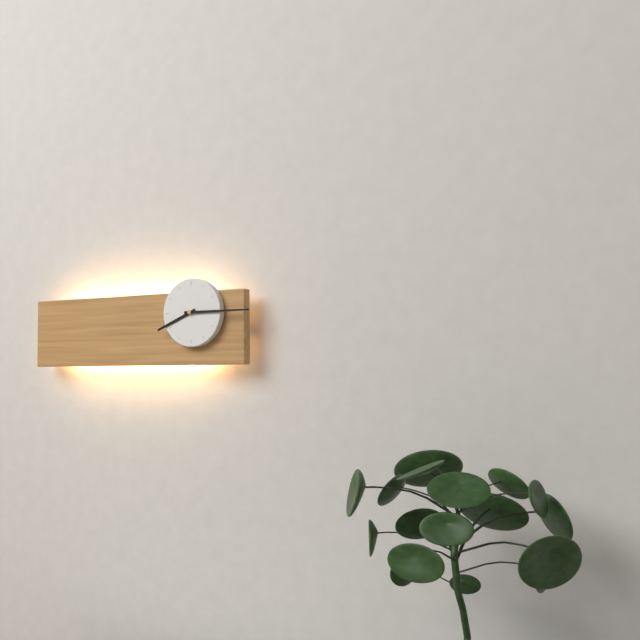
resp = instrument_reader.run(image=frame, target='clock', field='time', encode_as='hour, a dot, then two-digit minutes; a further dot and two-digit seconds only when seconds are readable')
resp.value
8.15
